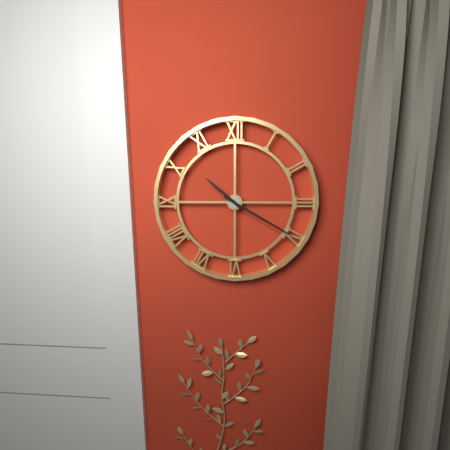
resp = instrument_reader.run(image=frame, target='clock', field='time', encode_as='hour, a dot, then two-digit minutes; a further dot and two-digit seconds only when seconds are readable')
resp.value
10.20
